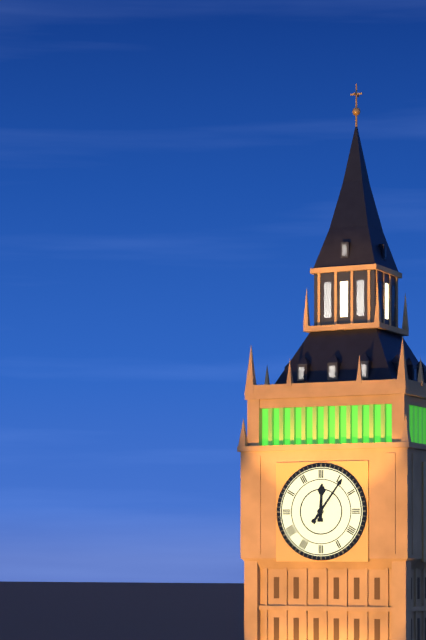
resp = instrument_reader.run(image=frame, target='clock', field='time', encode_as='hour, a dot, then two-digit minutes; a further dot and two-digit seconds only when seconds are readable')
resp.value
12.06
